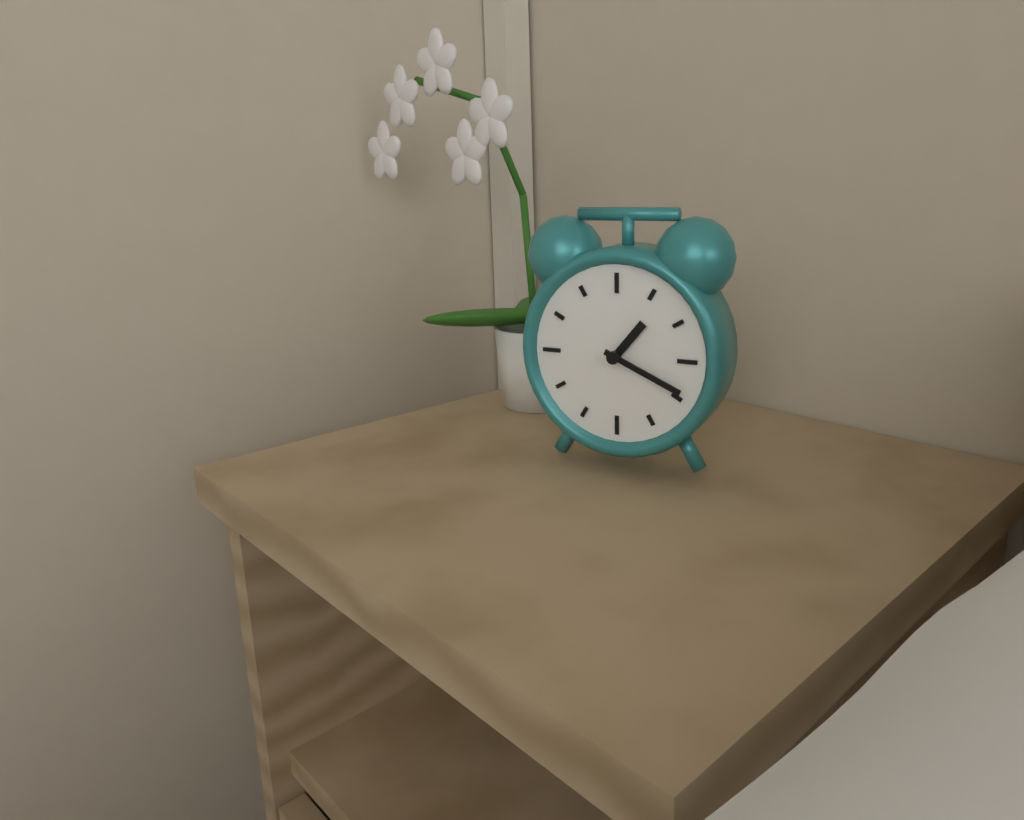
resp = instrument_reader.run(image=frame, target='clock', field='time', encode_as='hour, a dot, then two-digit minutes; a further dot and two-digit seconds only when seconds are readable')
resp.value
1.19
